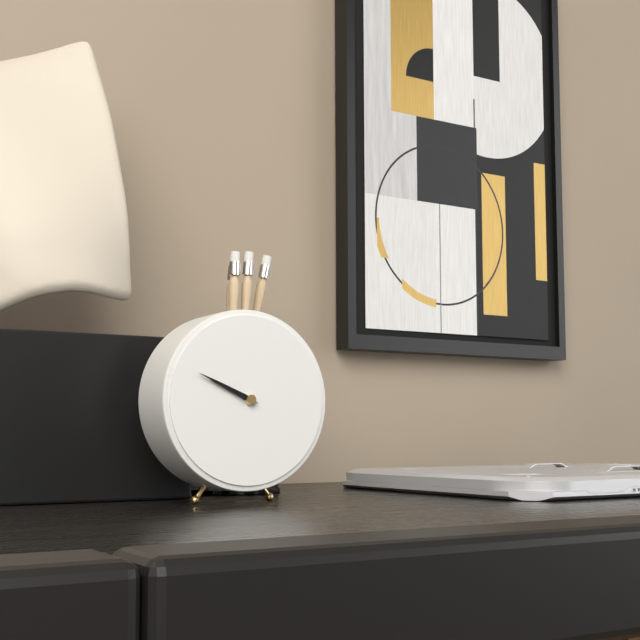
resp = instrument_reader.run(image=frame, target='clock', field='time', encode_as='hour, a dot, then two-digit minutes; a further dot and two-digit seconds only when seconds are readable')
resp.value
9.49
